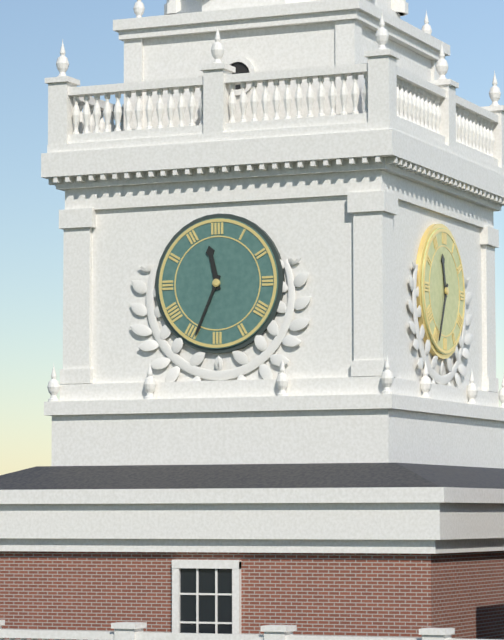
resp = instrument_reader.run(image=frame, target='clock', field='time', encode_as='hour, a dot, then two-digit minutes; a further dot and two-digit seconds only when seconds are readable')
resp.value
11.34
